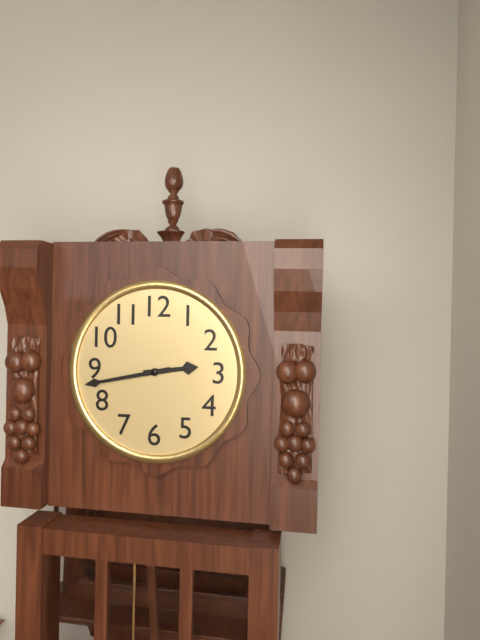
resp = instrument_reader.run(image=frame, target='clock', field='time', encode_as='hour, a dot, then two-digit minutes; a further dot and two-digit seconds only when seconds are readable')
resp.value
2.43
